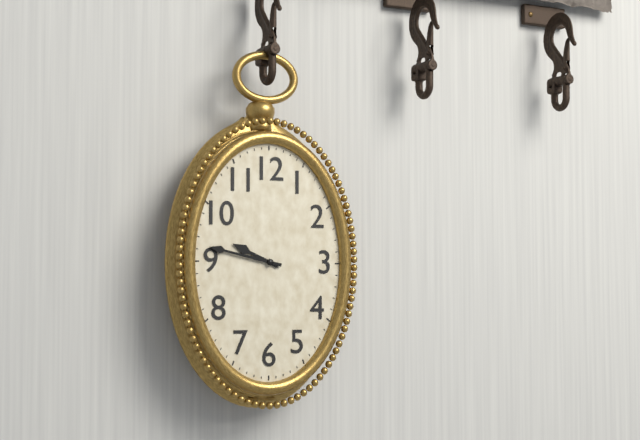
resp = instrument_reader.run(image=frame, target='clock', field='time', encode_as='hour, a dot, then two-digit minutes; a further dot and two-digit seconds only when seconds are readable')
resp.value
9.47
